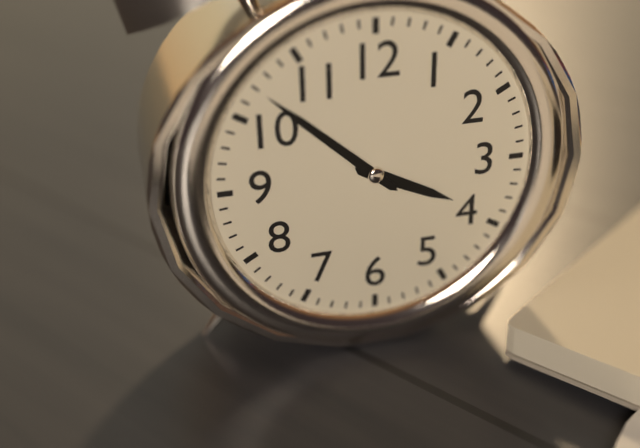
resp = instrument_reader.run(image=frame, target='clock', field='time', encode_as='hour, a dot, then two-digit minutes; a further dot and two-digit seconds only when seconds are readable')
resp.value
3.52
